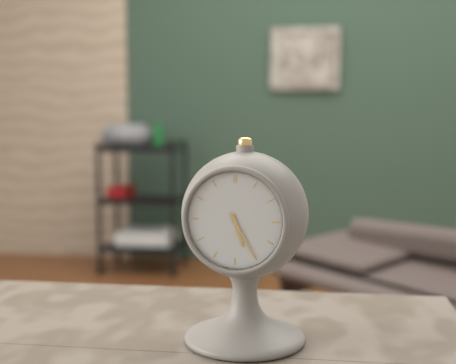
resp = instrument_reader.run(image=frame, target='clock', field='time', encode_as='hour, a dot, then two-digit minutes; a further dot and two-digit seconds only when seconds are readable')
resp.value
5.25
